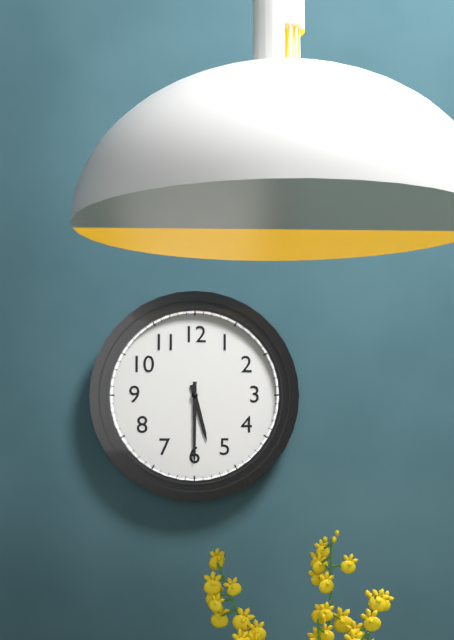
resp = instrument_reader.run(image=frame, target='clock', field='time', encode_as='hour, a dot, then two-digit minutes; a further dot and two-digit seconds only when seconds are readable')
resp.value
5.30
